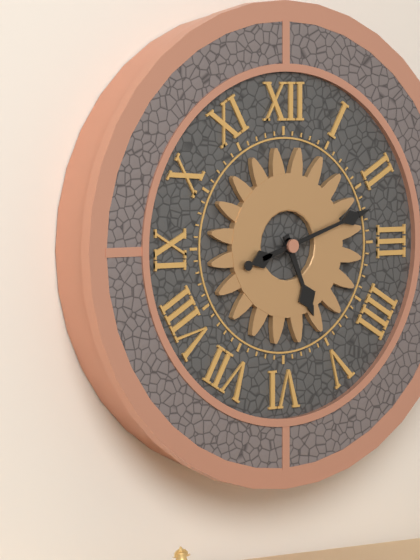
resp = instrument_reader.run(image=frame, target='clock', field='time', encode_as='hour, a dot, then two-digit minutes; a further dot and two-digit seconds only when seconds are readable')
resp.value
5.12
